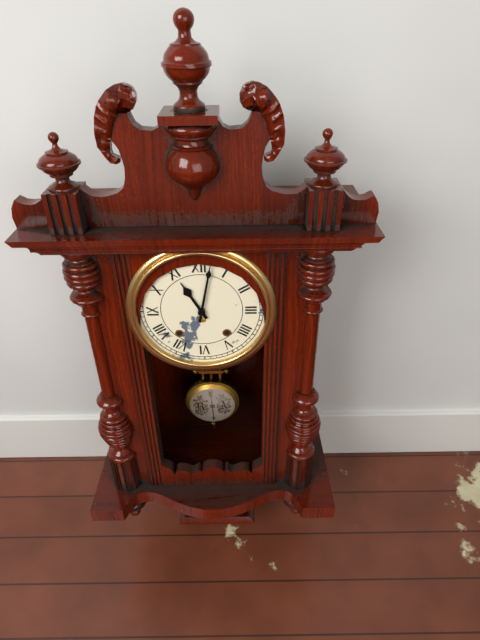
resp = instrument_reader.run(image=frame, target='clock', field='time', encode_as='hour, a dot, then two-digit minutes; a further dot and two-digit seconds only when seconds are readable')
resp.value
11.02
